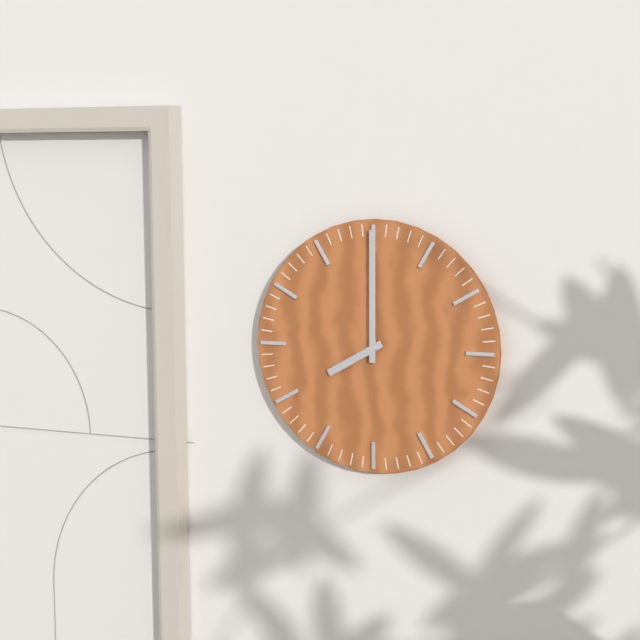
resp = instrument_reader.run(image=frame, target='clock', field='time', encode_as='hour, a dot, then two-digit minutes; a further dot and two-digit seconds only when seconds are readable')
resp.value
8.00
